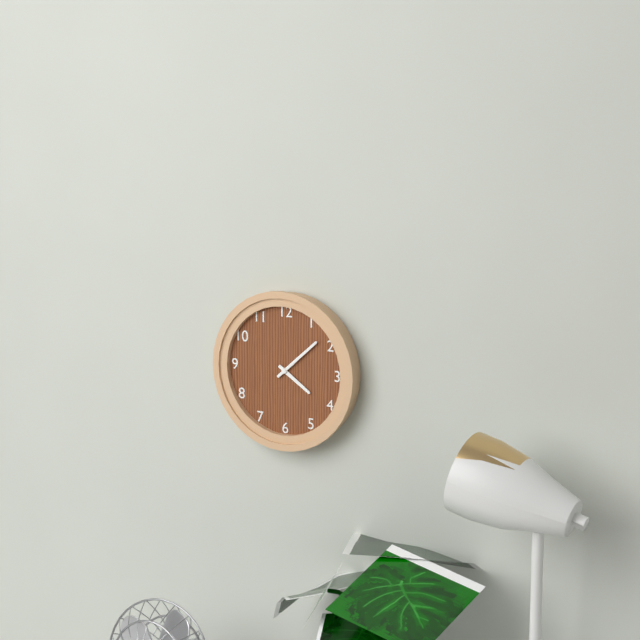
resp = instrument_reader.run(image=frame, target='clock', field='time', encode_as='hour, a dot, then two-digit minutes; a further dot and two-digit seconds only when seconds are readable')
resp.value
4.08
